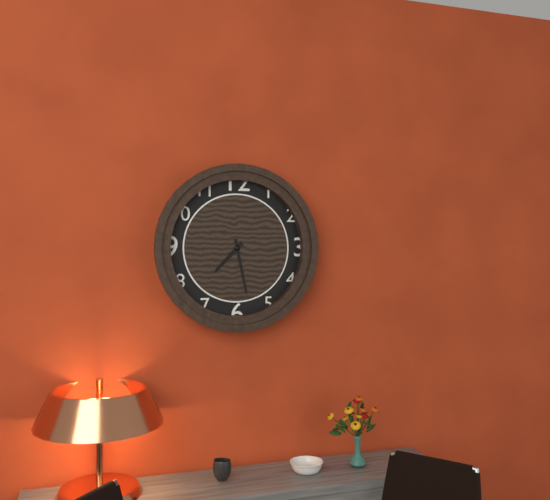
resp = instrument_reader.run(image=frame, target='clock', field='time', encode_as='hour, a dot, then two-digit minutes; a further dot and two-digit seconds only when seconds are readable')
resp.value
7.28
